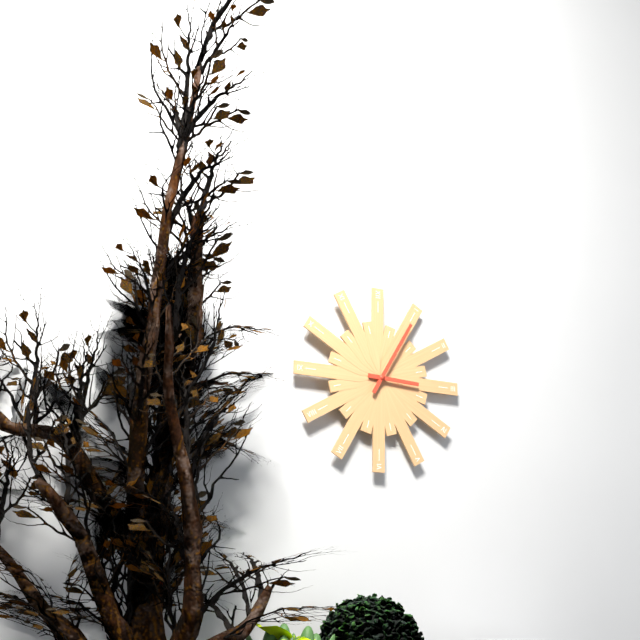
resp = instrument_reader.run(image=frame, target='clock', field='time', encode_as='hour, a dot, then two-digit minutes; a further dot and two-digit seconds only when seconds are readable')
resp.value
3.05
